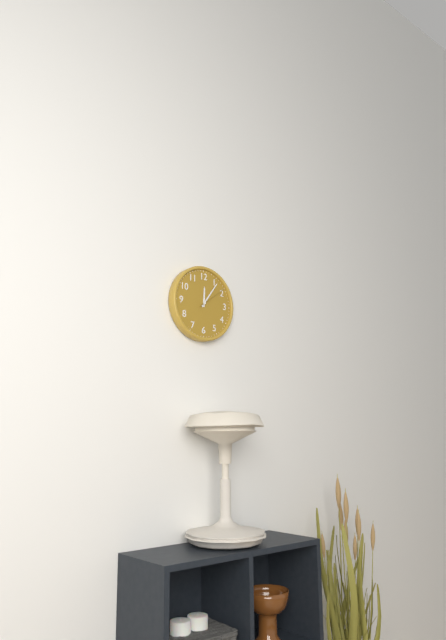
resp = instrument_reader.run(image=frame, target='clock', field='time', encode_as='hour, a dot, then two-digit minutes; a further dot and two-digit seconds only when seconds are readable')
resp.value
12.06
